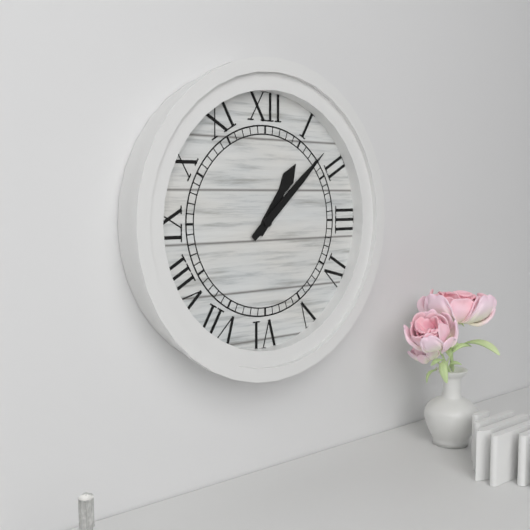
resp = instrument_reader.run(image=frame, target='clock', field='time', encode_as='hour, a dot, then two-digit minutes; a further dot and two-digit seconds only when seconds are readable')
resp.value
1.08
